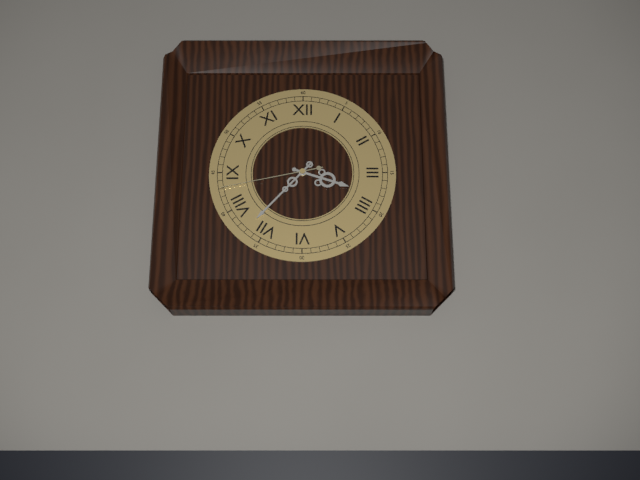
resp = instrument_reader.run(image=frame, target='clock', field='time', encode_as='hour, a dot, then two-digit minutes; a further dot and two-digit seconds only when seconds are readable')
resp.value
3.37.43
